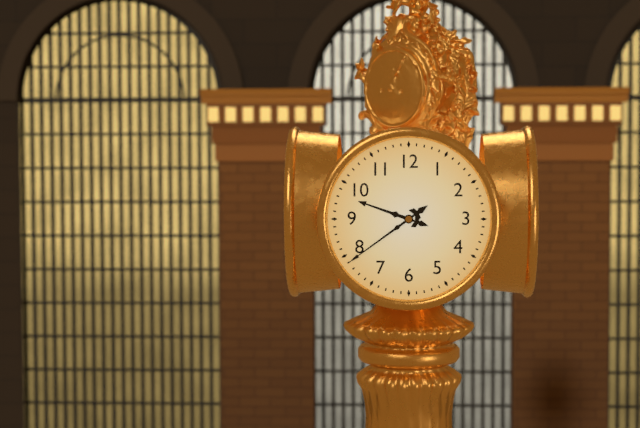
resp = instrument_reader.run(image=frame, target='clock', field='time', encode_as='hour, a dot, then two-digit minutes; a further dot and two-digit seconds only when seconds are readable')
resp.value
9.39
